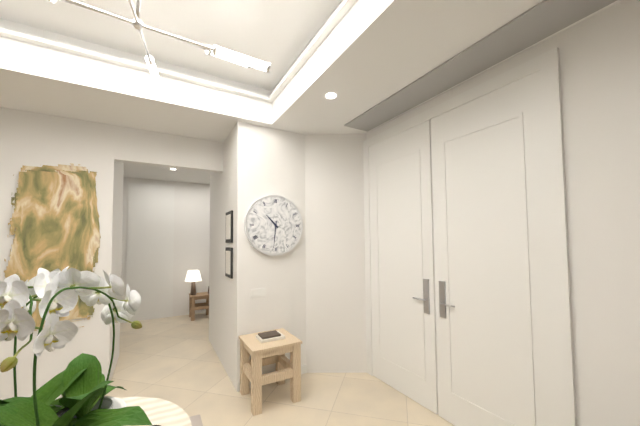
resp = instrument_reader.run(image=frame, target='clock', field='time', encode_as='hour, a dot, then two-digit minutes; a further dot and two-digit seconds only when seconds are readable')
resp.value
10.31
